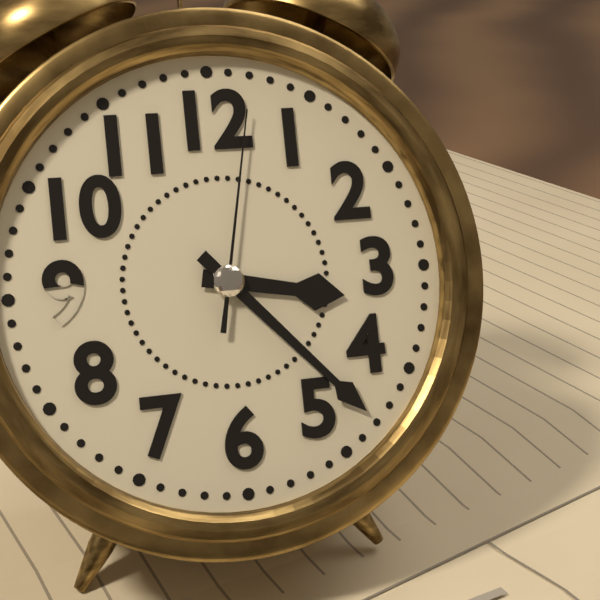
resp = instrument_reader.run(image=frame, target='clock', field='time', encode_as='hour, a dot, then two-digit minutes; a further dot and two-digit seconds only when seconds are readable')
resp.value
3.23.02
